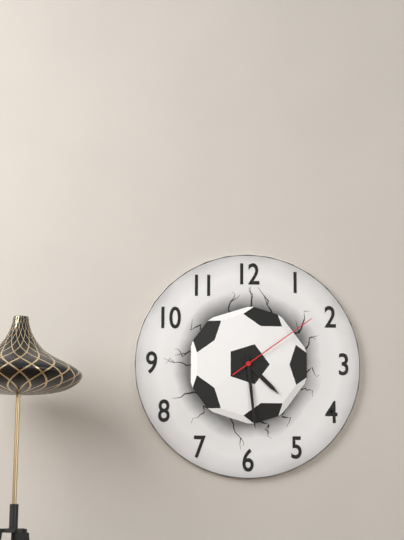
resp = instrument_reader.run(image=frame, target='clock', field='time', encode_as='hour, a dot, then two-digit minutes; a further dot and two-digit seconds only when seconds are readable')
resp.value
4.29.09
